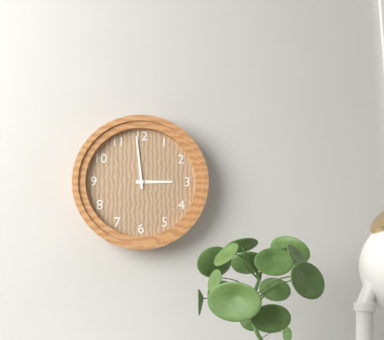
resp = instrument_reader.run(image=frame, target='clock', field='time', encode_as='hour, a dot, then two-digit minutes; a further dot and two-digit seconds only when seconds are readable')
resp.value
2.59
